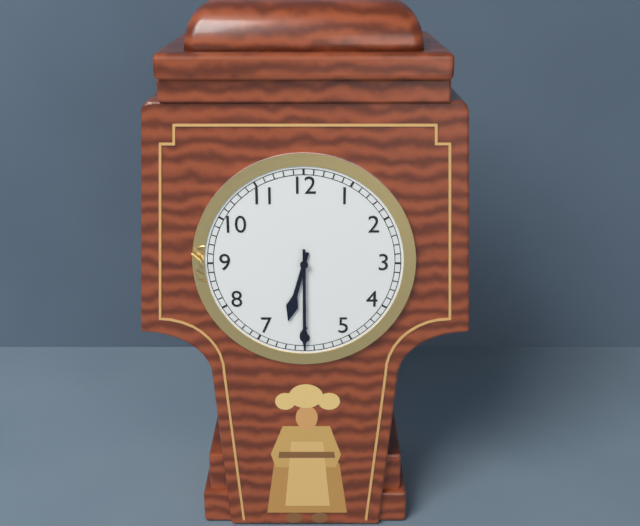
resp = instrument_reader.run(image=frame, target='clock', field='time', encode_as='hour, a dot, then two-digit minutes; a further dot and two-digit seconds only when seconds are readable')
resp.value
6.30
